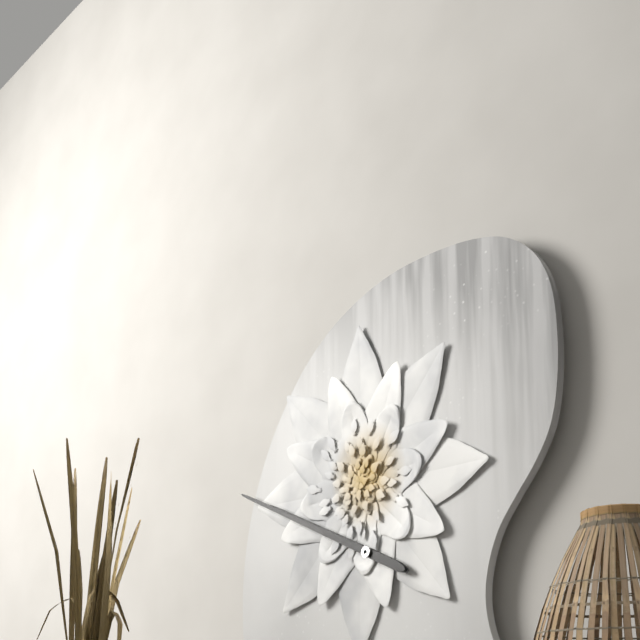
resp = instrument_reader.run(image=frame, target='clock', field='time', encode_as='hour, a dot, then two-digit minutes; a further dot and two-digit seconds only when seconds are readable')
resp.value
9.49
